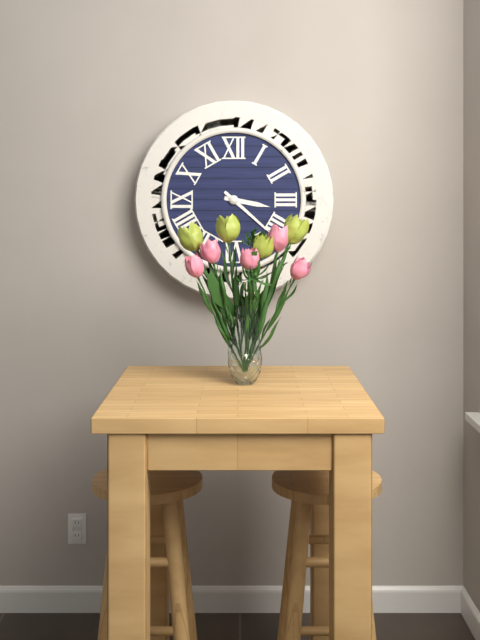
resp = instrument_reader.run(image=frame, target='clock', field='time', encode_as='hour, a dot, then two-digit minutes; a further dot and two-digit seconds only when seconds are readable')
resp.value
3.22
